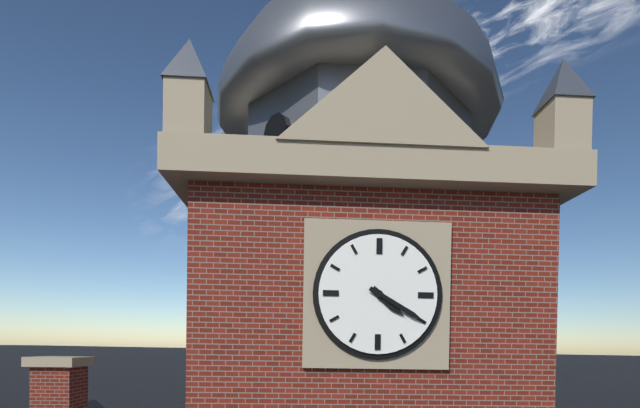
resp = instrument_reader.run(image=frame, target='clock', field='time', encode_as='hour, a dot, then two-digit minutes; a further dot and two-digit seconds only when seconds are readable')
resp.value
4.20
